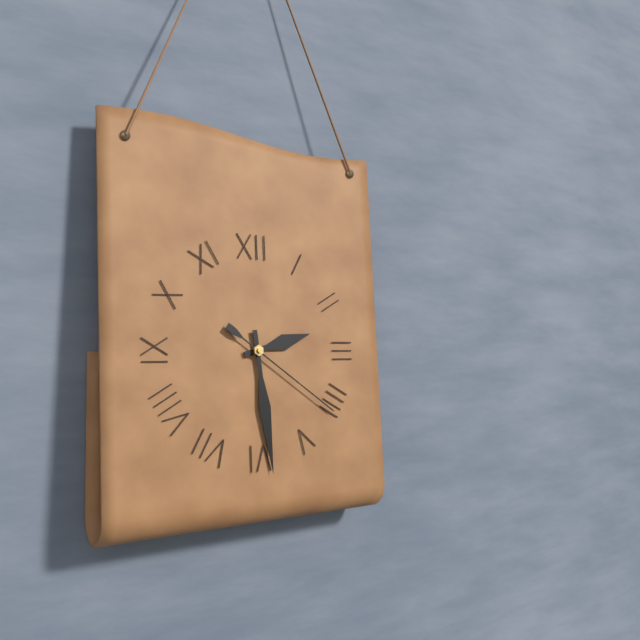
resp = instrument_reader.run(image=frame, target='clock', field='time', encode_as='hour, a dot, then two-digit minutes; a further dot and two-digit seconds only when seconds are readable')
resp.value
2.29.21
